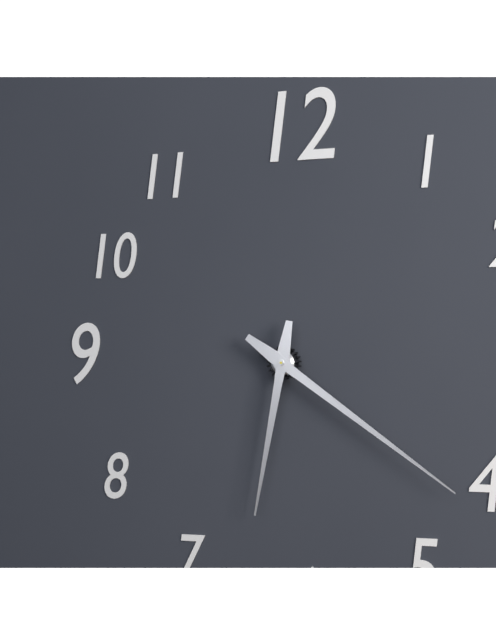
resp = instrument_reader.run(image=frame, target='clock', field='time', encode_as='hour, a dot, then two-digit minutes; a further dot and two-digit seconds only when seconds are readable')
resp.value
6.21
